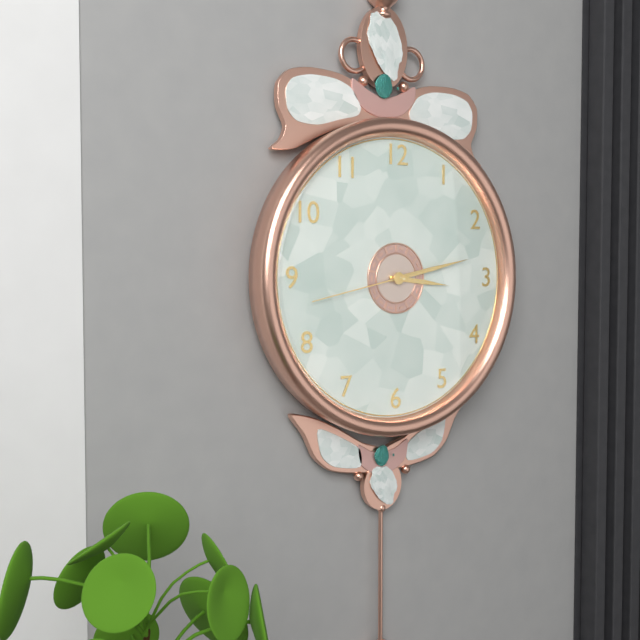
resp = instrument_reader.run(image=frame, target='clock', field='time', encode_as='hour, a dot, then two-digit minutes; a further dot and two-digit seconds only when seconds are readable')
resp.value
3.13.43
